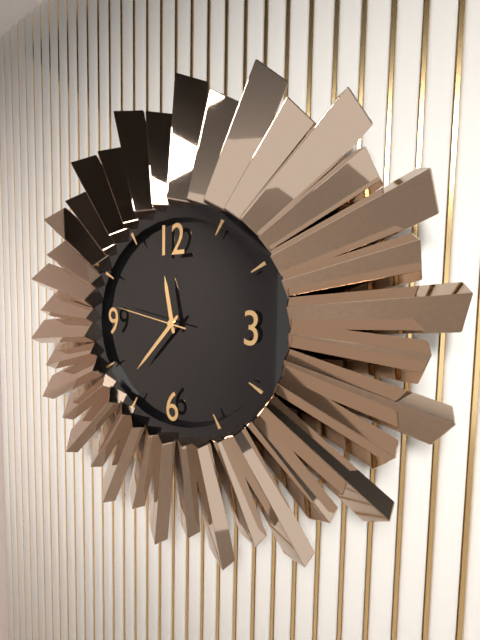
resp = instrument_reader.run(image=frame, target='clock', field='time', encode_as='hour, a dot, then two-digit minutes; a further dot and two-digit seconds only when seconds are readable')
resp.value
11.37.47
